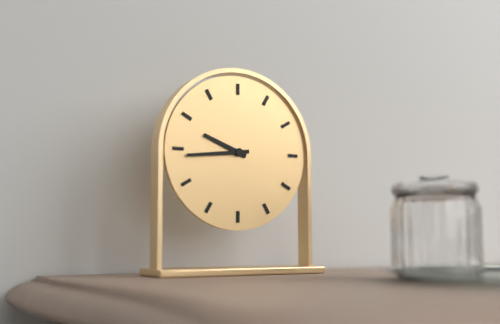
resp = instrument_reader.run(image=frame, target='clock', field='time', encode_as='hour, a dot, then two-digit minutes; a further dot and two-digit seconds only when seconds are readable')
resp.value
9.44
